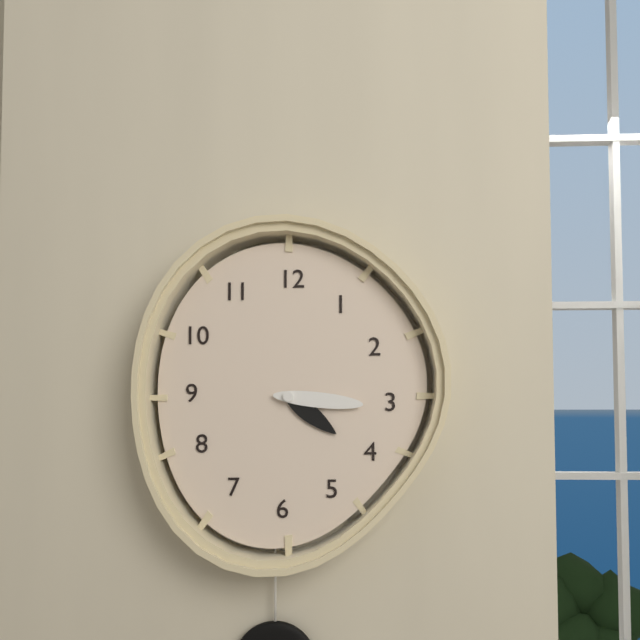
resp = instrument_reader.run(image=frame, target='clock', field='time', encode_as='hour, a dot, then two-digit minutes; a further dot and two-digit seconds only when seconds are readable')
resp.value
4.16
